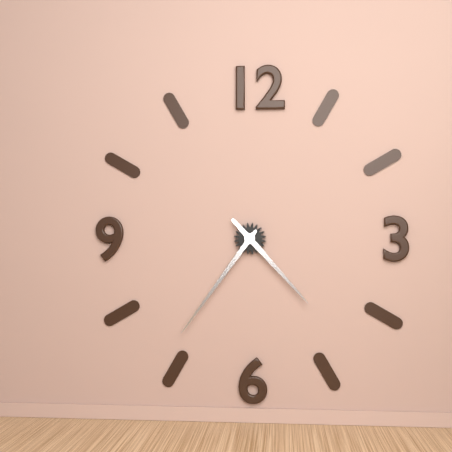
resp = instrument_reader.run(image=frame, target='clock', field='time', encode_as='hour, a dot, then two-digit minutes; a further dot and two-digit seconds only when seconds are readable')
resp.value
4.36
